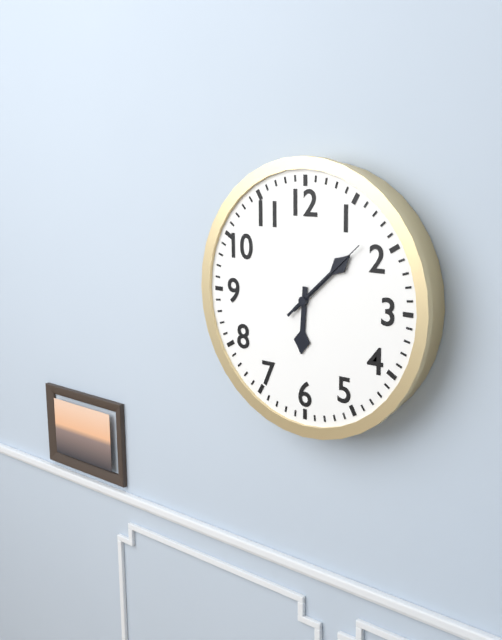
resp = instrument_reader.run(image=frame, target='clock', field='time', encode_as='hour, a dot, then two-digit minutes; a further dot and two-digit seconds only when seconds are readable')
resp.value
6.08.08
